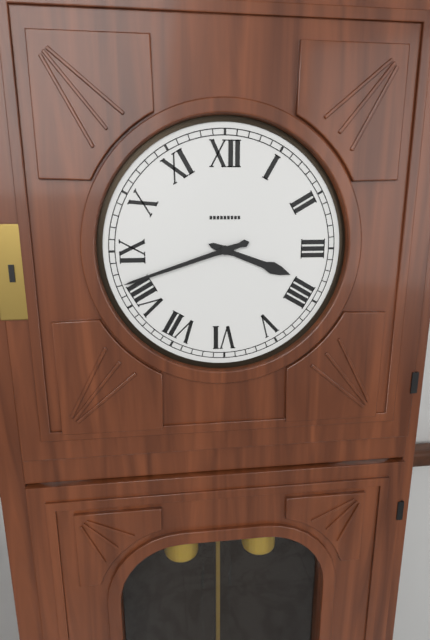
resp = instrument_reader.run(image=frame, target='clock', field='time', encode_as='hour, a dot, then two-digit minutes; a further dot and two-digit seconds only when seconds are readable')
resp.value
3.42
